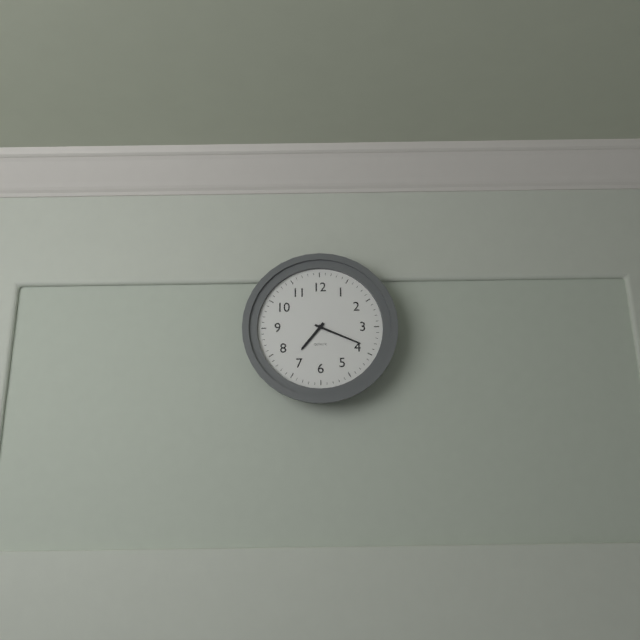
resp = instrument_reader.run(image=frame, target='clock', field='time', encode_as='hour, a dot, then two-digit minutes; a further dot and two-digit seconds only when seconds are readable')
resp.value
7.19
